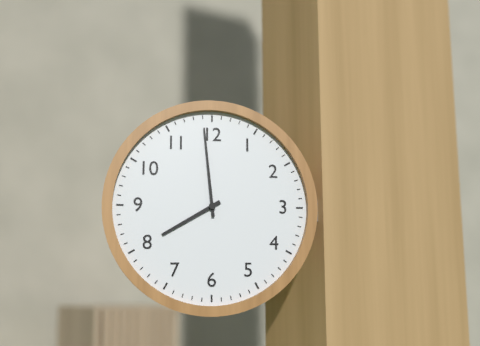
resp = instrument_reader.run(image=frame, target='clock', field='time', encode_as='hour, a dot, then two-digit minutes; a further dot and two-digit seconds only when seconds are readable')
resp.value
7.59
